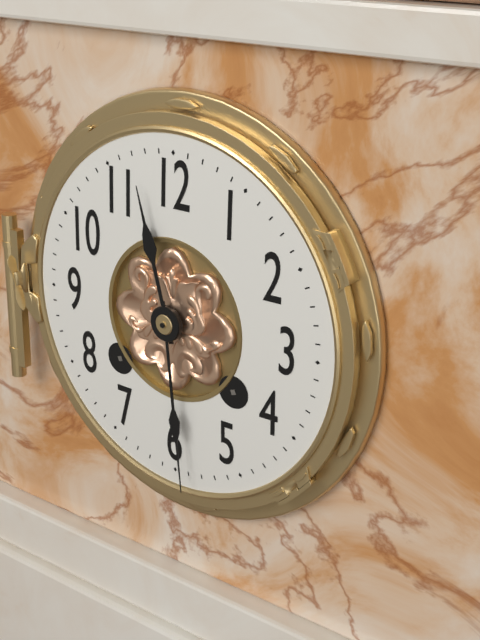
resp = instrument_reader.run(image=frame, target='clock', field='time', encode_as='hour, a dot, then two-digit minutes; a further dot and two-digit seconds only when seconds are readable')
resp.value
11.29
